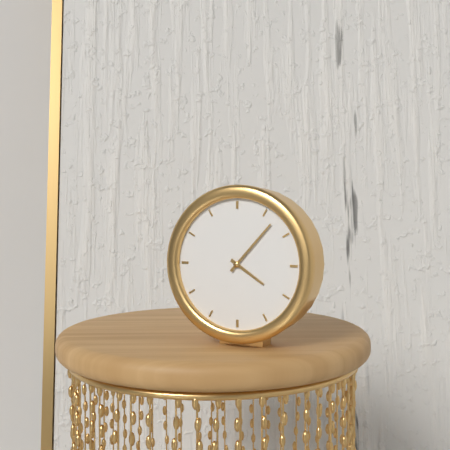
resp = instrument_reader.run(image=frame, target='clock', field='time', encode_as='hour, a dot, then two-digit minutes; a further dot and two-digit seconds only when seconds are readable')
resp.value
4.07
